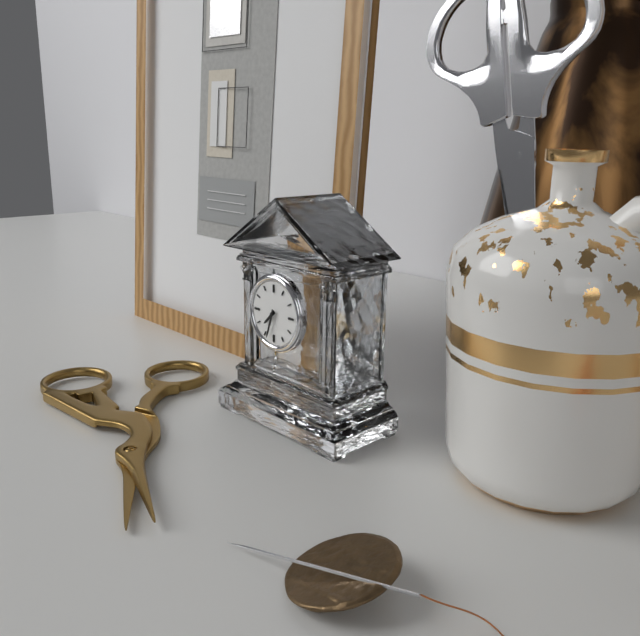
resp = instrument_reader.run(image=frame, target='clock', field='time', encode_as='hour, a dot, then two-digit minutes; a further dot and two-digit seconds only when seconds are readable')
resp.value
7.33
